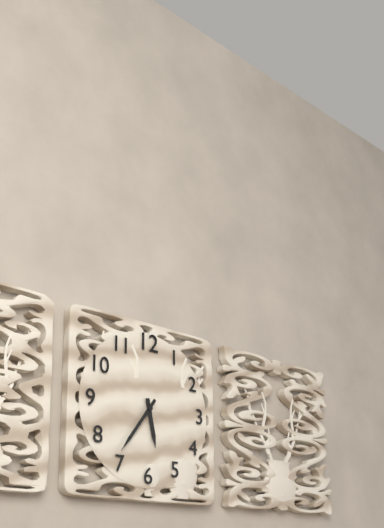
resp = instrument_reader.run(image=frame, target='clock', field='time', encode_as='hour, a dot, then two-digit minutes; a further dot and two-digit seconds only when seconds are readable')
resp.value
5.36
